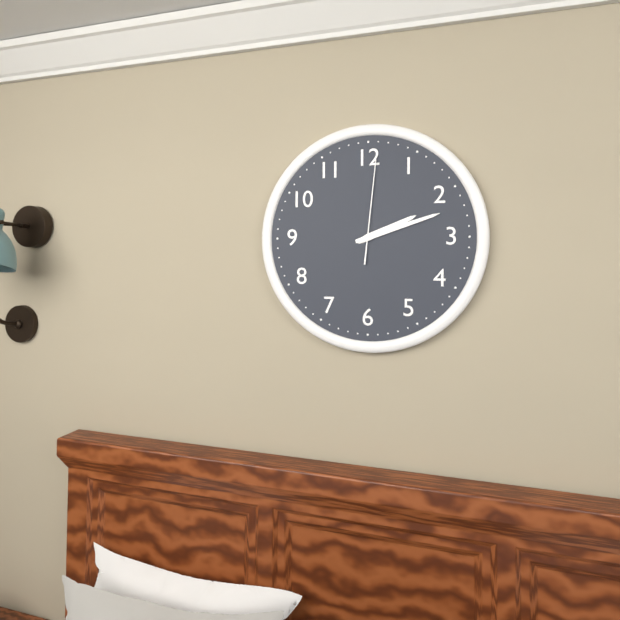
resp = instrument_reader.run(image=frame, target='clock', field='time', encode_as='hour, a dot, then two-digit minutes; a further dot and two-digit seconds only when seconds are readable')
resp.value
2.12.01
